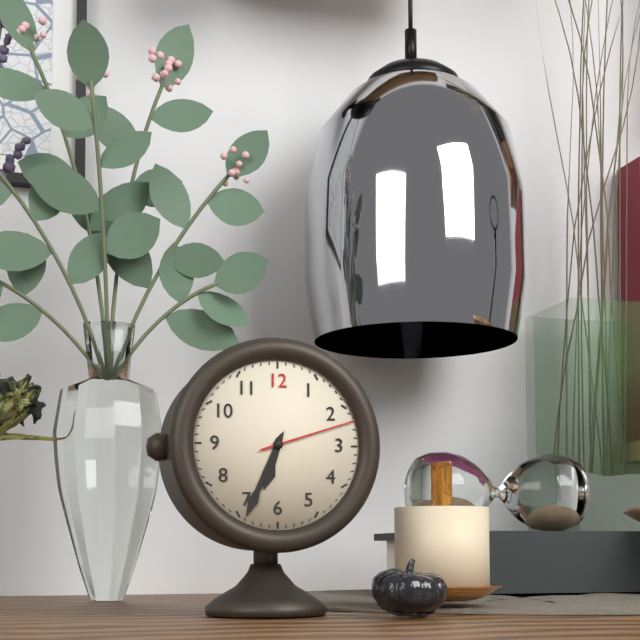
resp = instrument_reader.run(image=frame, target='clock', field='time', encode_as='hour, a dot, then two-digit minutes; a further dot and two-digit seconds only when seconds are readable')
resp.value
6.34.12
